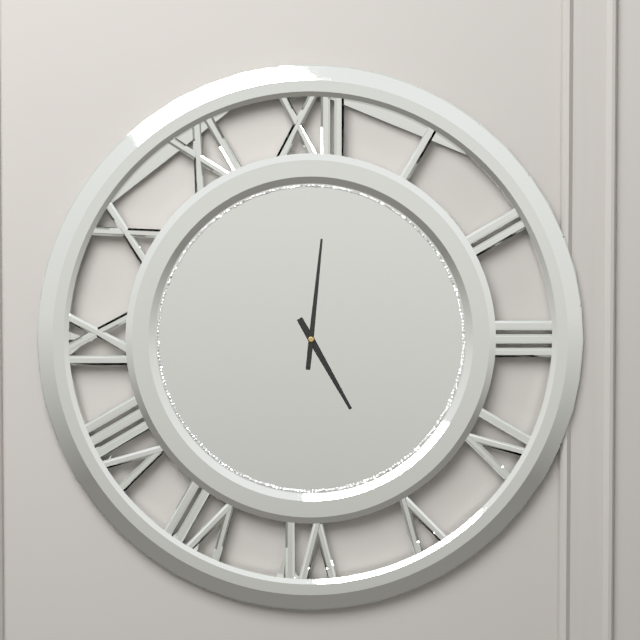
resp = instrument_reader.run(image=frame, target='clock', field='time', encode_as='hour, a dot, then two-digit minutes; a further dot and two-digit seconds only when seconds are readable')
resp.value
5.01
